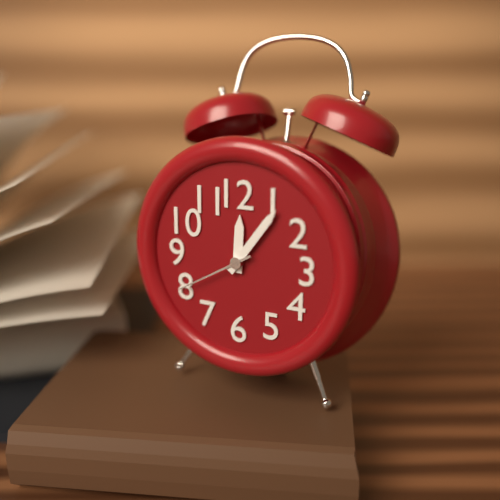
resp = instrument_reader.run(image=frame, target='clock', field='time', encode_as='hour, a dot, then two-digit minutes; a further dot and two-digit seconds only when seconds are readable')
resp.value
12.06.40
